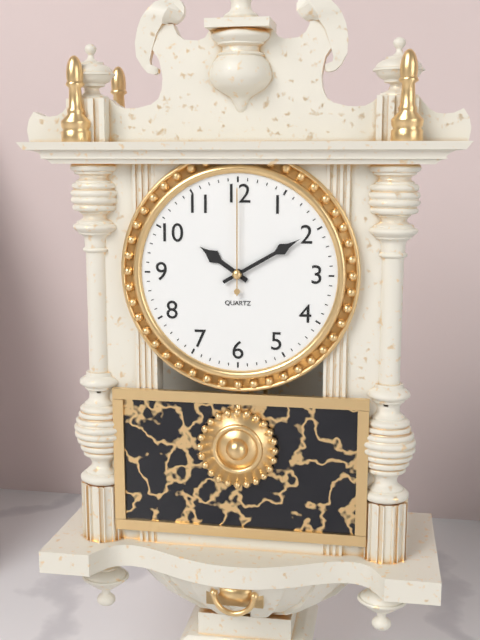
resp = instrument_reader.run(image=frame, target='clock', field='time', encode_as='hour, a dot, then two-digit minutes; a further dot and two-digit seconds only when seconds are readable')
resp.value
10.10.00
